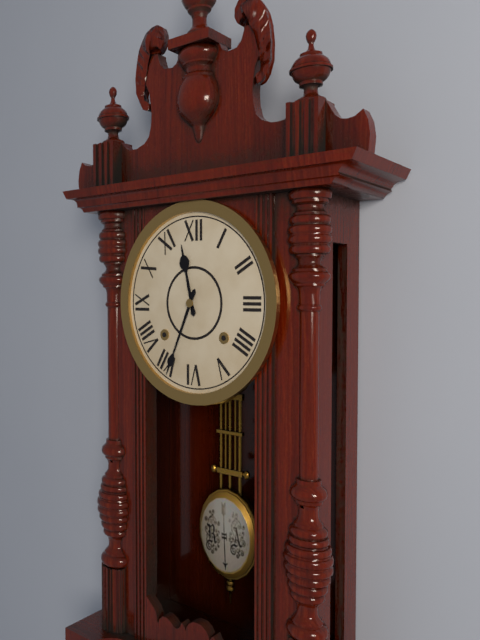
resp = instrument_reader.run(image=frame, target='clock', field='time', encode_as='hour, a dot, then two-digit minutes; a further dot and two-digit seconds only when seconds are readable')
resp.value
11.34
